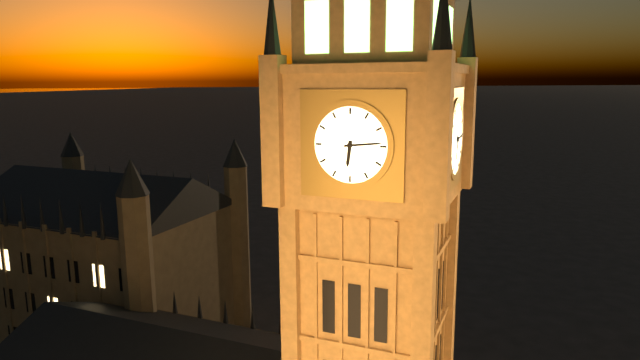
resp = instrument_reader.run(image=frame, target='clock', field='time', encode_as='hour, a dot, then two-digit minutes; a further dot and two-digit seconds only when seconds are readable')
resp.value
6.14
